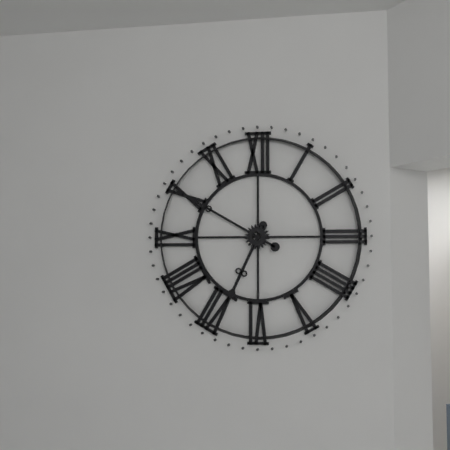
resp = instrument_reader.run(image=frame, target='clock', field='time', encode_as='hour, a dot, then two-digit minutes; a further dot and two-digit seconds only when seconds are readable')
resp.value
6.50
